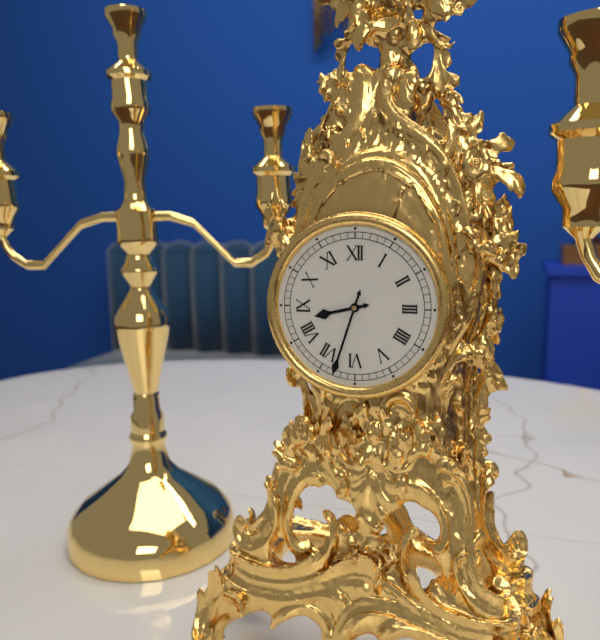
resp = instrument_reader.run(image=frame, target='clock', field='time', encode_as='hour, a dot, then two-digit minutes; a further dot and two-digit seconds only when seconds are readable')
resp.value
8.33
